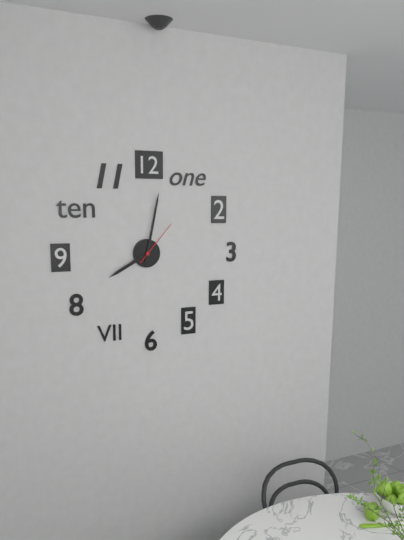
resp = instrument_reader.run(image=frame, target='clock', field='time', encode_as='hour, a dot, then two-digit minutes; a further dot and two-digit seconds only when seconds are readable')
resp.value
8.02
